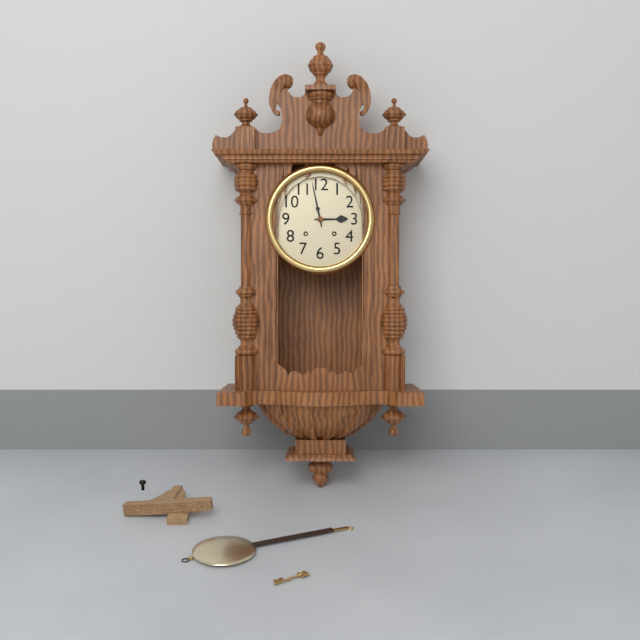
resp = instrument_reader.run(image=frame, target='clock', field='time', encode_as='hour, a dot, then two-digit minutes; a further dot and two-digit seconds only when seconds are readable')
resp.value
2.58
